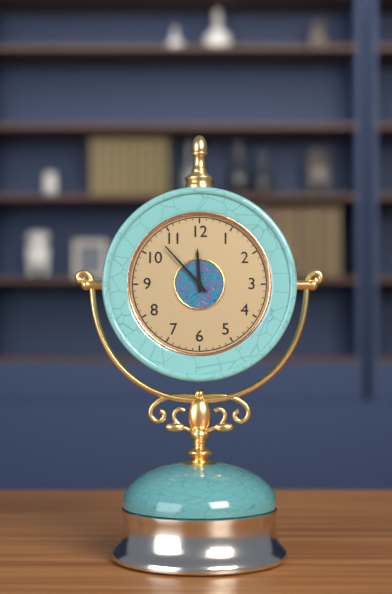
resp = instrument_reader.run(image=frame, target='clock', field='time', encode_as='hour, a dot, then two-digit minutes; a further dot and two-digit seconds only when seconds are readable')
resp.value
11.53
